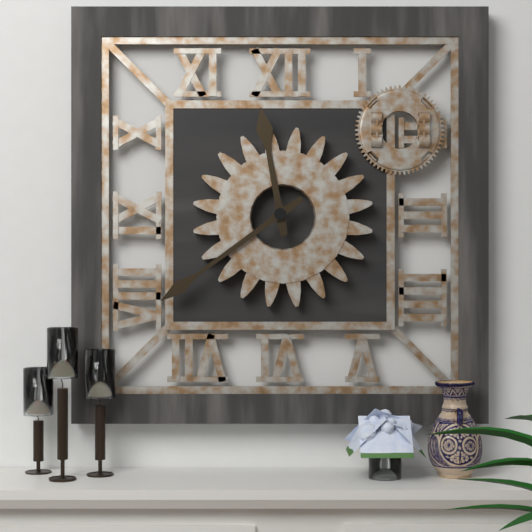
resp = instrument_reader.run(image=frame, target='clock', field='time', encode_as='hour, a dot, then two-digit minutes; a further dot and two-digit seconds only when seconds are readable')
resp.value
11.39
